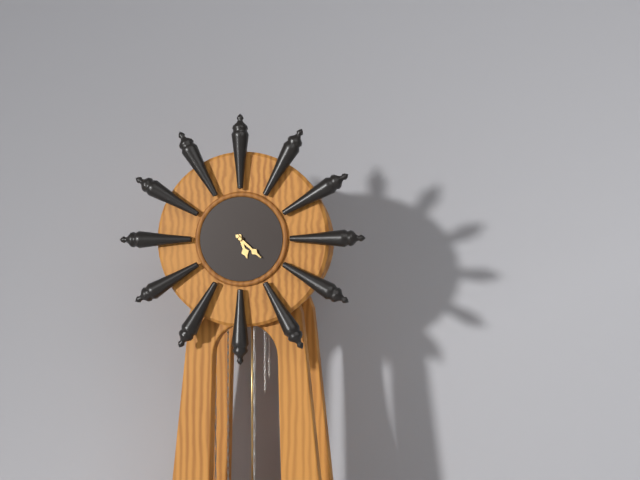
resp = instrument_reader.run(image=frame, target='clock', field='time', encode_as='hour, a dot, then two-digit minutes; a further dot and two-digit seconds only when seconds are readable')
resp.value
5.22
